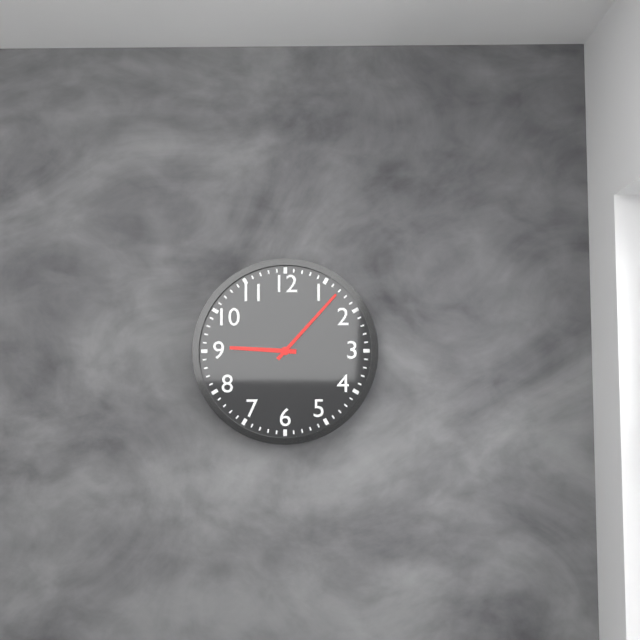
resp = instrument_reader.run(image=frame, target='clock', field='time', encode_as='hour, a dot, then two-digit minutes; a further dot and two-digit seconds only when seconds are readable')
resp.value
9.07
